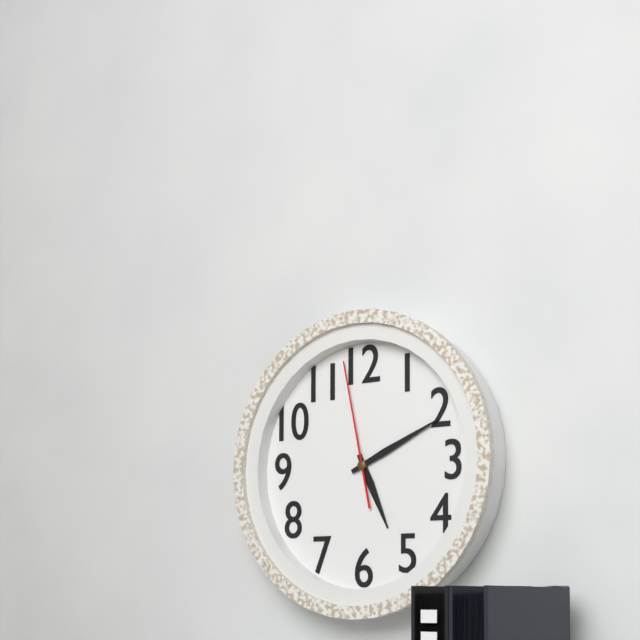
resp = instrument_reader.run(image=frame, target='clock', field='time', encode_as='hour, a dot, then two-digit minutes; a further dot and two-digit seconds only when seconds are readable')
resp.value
5.11.58
